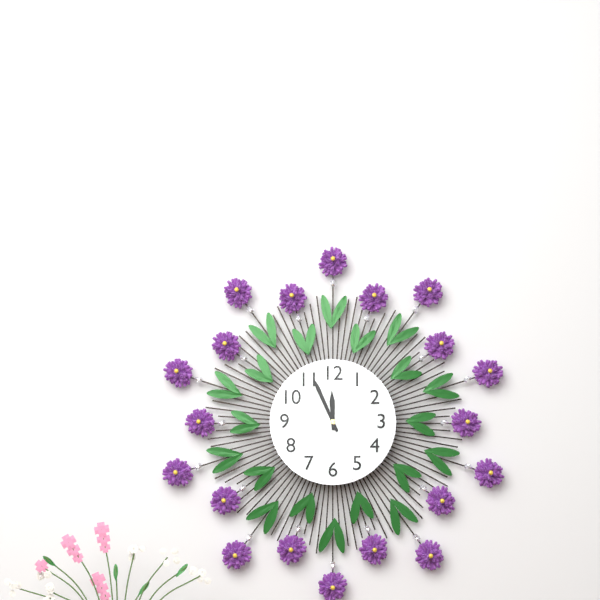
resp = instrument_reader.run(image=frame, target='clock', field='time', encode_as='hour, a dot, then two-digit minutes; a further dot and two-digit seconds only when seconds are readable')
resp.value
11.56
